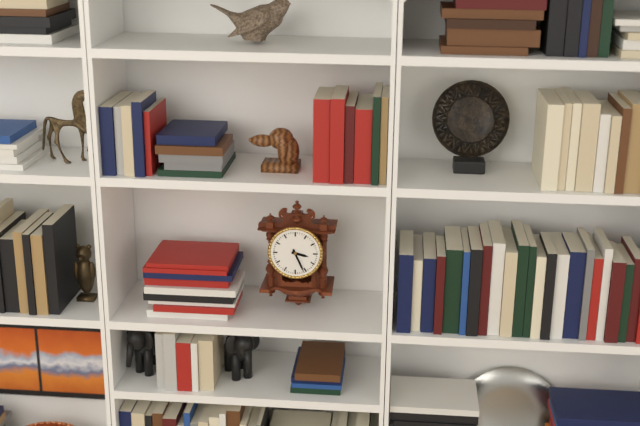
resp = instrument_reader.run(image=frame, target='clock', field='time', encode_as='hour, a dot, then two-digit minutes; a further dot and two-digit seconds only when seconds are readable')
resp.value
3.26
